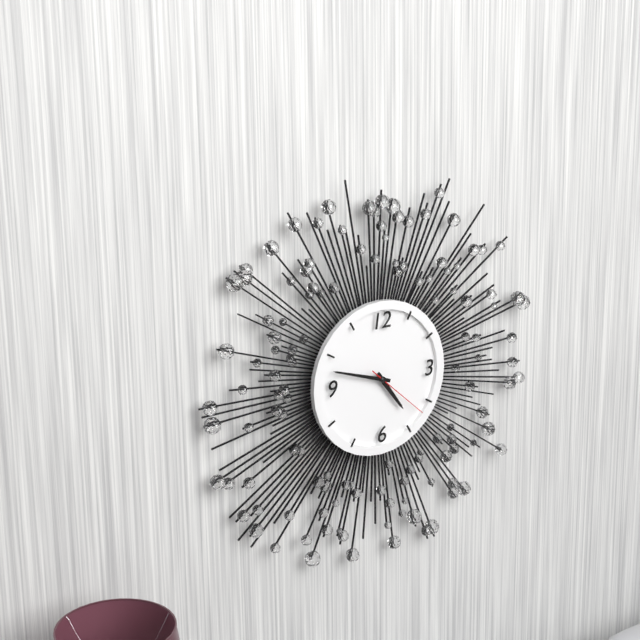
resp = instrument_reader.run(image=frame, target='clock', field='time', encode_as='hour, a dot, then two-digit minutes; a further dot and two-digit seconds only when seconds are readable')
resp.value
4.48.22
